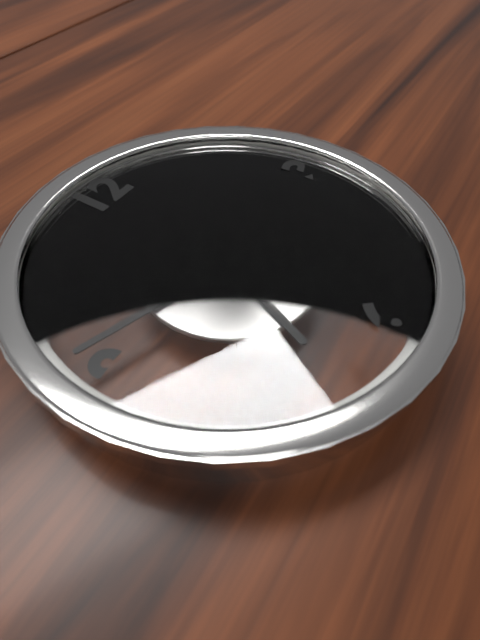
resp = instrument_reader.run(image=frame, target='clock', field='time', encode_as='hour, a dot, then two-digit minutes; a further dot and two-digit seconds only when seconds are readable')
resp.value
6.48
